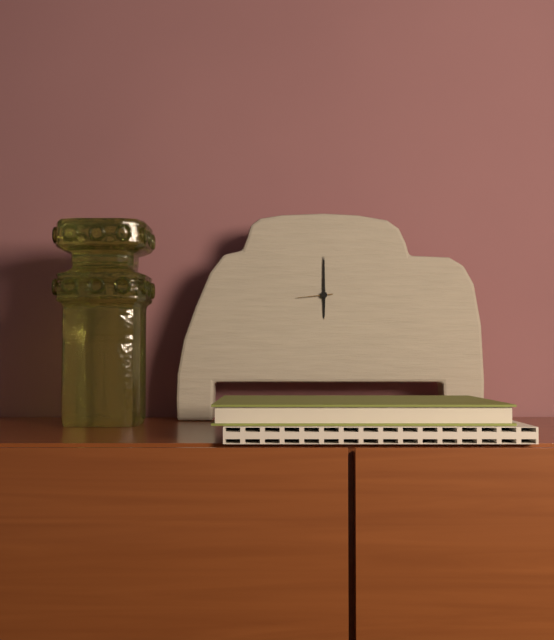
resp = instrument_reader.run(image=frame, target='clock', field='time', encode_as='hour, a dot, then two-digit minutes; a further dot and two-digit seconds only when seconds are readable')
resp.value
6.00
